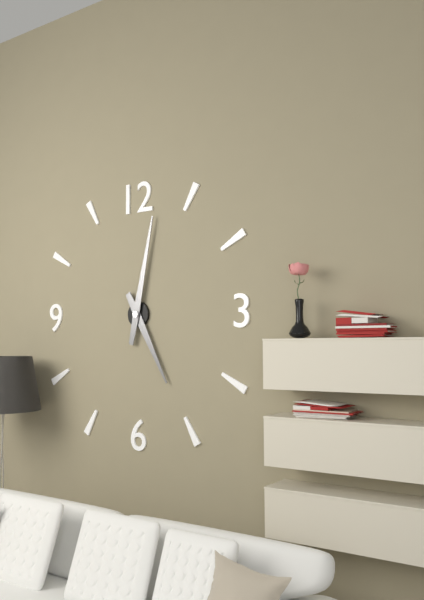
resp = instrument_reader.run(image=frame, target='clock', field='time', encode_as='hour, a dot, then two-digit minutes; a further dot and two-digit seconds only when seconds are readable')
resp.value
5.02
